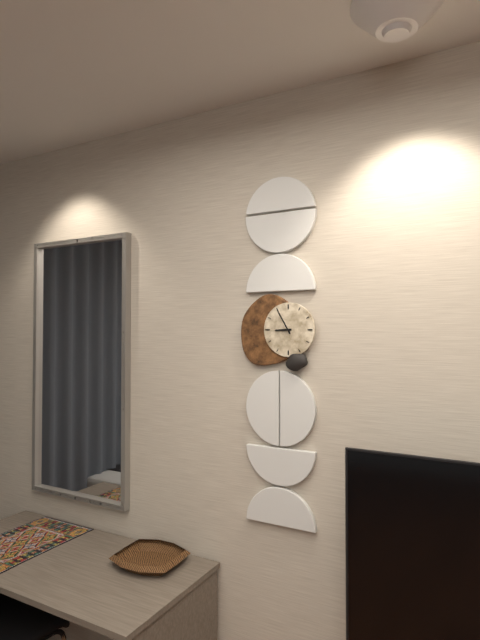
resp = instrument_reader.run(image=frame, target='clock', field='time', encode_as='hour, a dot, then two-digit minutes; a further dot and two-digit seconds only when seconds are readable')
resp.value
8.55
